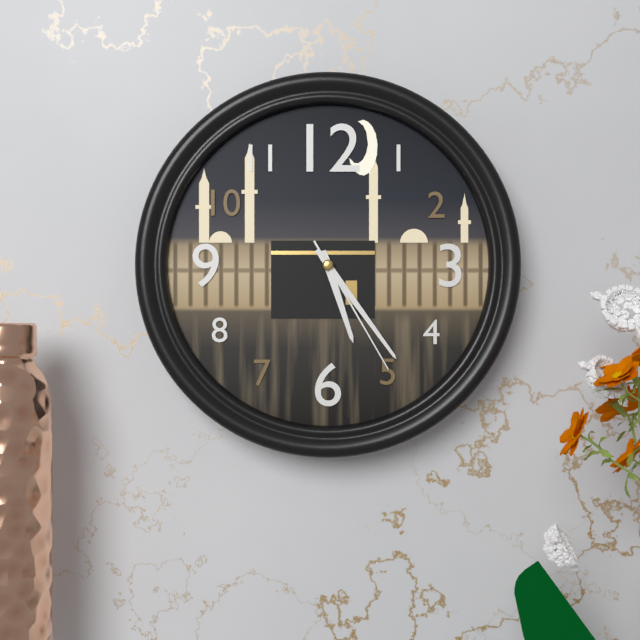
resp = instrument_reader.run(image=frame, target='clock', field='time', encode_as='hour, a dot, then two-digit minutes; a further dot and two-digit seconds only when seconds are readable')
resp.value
5.24.25
